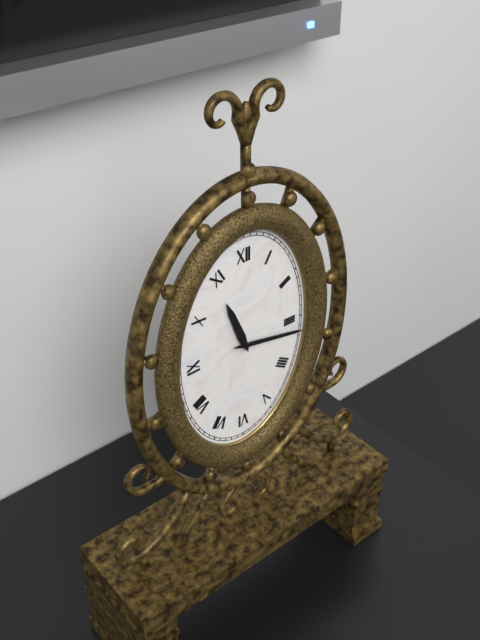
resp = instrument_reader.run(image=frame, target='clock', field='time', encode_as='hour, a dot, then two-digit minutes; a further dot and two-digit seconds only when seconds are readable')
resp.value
11.17
